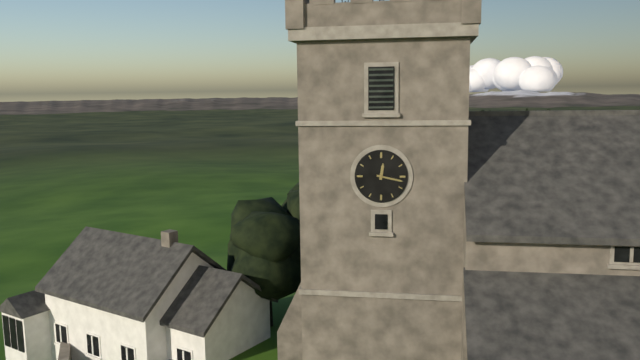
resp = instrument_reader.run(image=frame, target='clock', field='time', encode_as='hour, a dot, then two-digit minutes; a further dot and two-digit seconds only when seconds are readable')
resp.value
12.17
